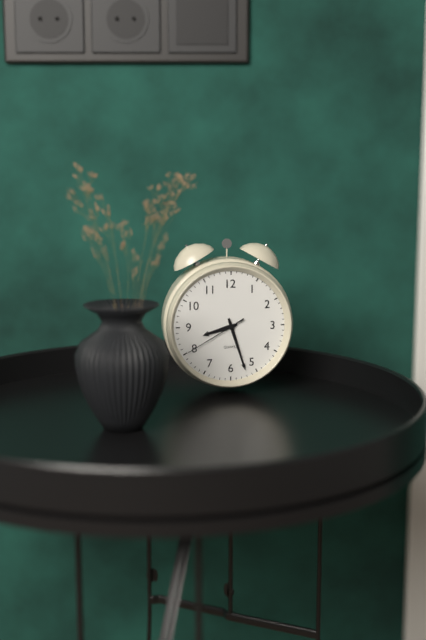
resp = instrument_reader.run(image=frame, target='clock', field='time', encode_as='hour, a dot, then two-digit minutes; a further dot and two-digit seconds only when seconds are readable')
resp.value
8.27.40
